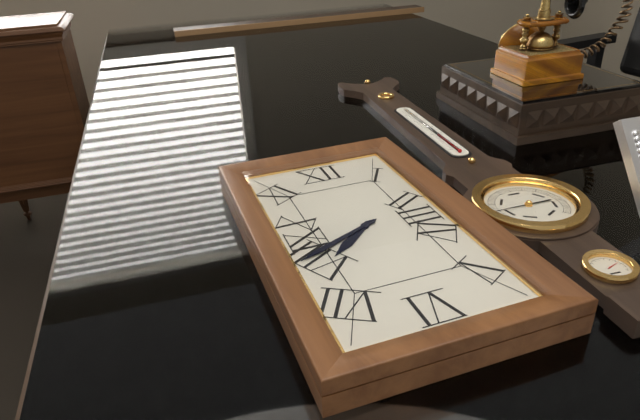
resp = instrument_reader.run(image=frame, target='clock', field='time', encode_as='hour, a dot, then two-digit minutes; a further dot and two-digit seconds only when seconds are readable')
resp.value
7.41
